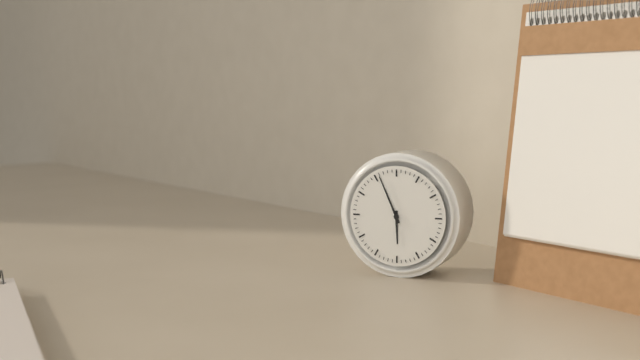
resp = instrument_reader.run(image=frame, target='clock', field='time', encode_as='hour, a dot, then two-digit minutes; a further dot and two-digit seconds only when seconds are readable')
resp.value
5.56
